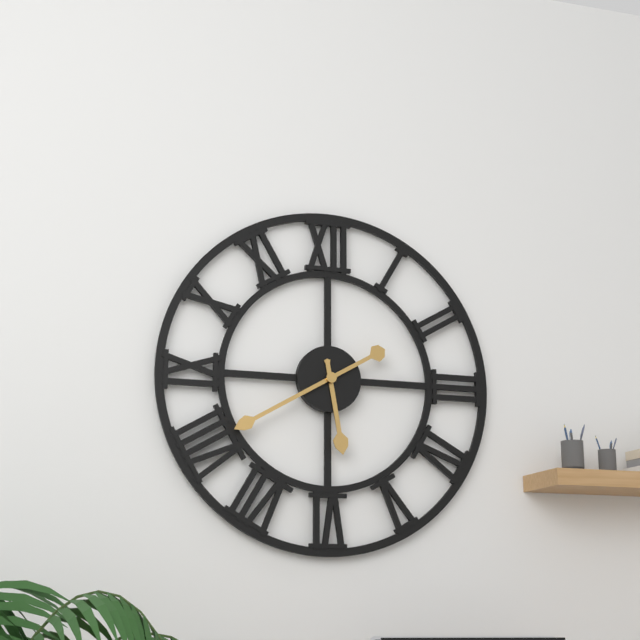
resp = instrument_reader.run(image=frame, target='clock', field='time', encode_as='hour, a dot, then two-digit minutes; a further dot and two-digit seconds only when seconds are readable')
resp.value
5.40
